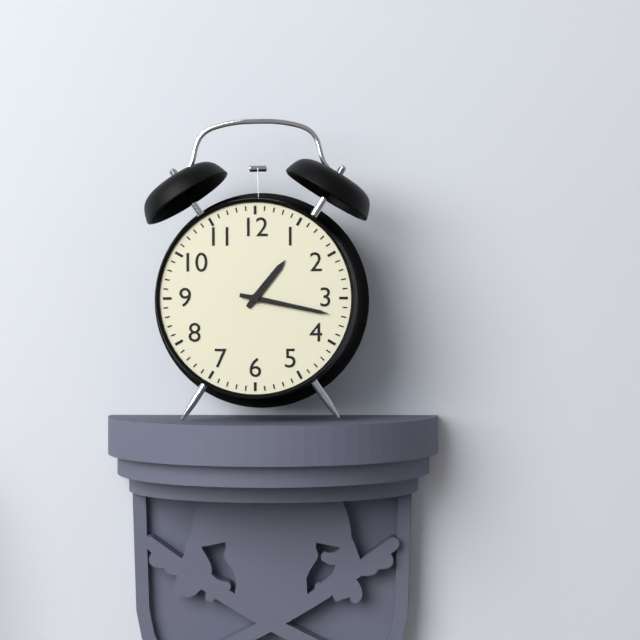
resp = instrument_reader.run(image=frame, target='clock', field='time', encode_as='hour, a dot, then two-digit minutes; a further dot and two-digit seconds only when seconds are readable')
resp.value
1.17
